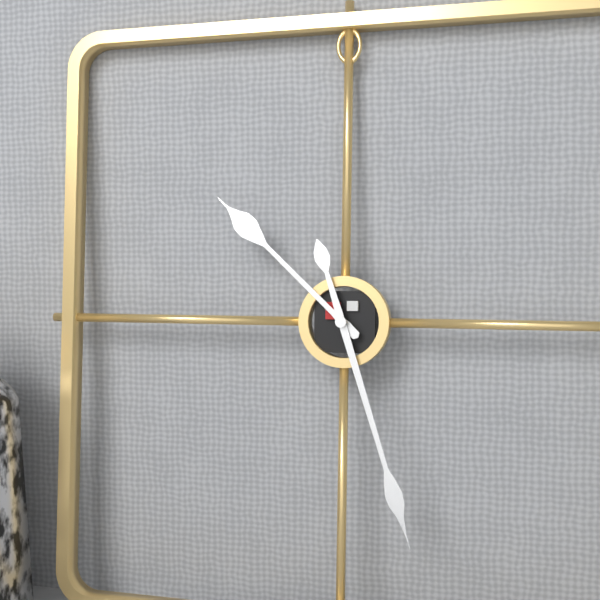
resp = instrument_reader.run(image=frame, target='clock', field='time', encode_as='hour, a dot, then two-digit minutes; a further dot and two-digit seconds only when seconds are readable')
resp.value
10.27
